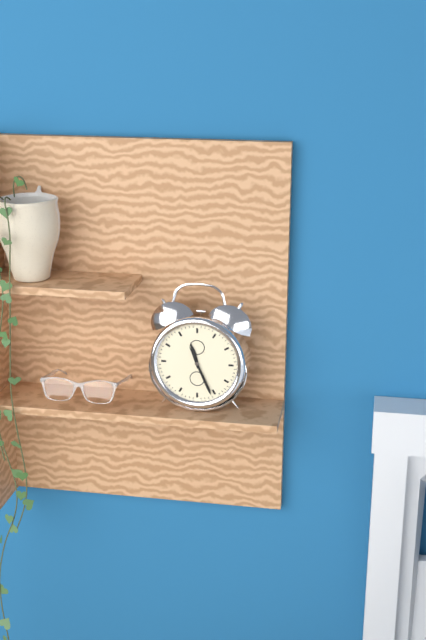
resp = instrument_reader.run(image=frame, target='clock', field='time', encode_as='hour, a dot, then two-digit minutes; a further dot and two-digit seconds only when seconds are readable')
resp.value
11.26
